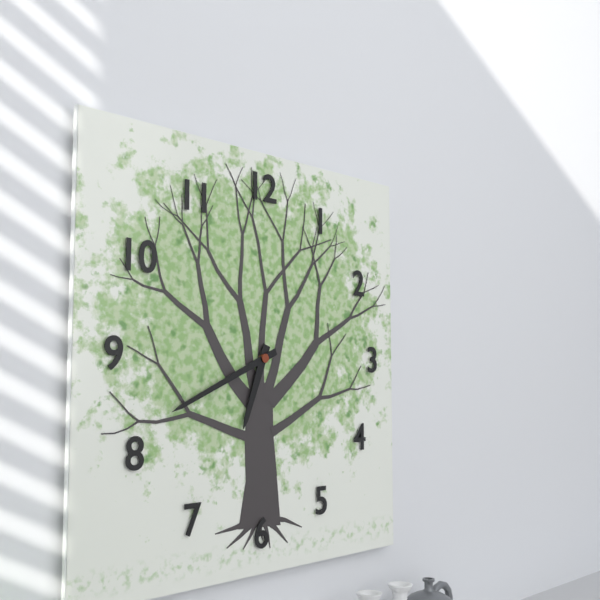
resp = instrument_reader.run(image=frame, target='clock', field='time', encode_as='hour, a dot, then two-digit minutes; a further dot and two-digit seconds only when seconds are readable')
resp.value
6.41
